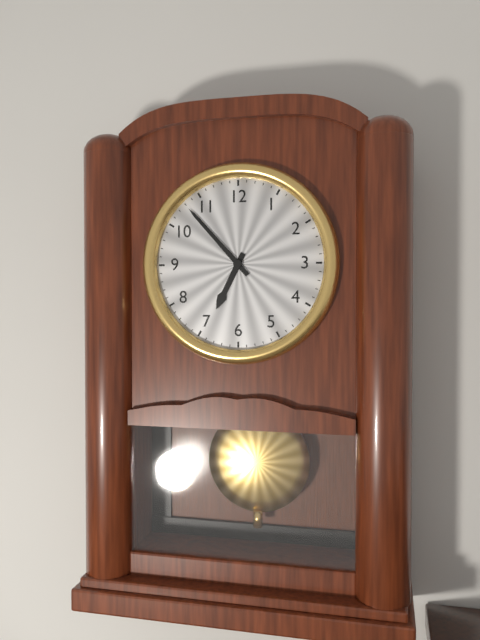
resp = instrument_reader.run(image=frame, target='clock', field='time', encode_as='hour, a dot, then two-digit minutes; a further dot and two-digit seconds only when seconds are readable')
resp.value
6.53
